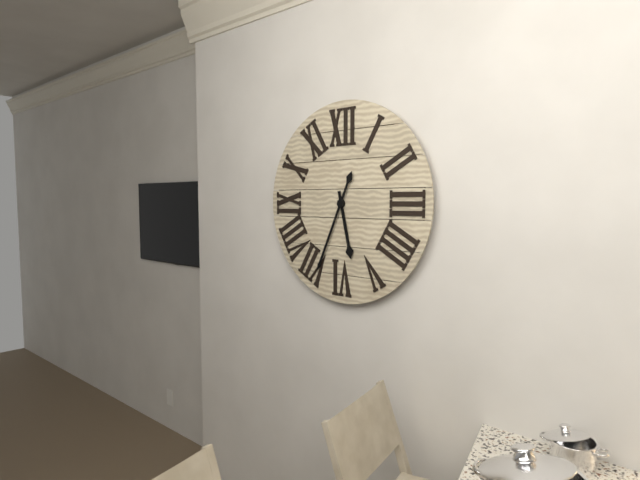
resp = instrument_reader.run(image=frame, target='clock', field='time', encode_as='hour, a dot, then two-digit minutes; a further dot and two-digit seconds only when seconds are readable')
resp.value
5.34
